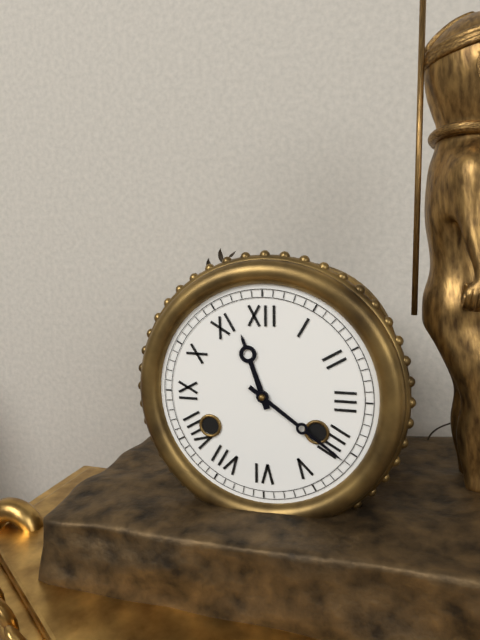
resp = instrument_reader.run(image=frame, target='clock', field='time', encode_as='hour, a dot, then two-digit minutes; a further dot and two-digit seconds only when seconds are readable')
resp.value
11.21
